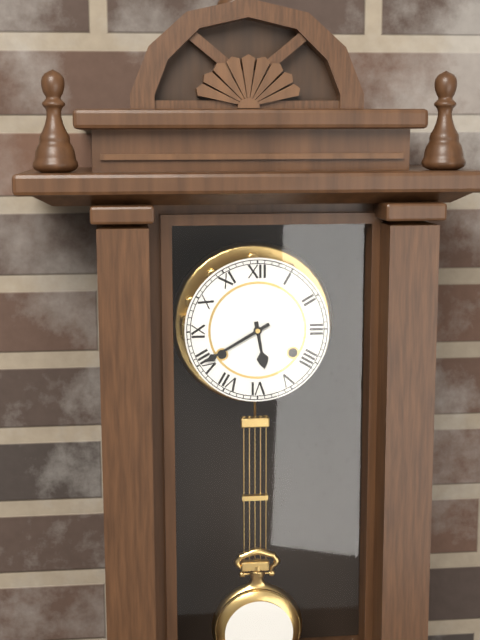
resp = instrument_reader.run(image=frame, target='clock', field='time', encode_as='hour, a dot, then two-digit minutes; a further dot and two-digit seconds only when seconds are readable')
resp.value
5.40
